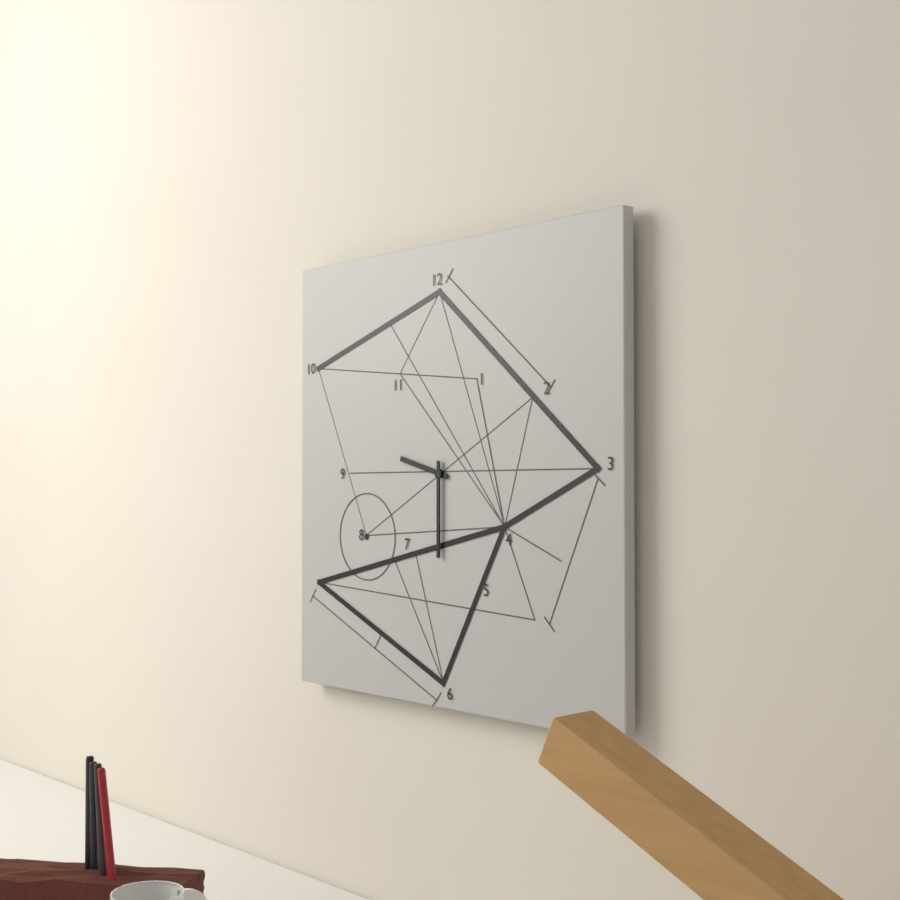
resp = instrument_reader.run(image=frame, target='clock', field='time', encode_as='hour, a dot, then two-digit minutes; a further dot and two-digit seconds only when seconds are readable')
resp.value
9.30
